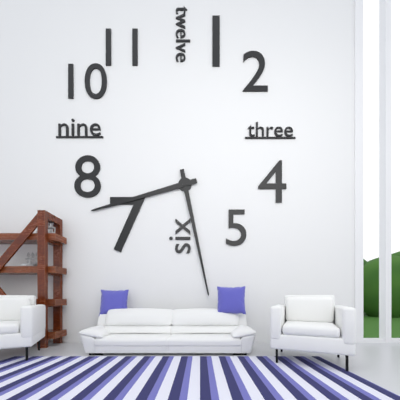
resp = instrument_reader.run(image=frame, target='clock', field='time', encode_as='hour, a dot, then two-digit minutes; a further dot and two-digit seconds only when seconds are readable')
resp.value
8.28
